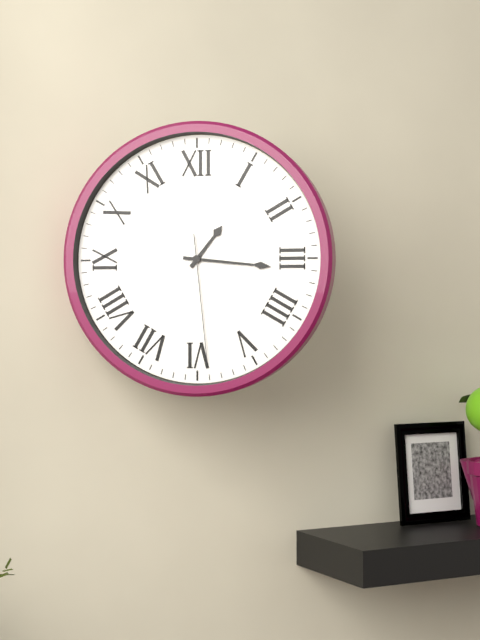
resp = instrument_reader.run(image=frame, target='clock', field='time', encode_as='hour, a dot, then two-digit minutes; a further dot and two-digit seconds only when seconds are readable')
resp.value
1.16.29
